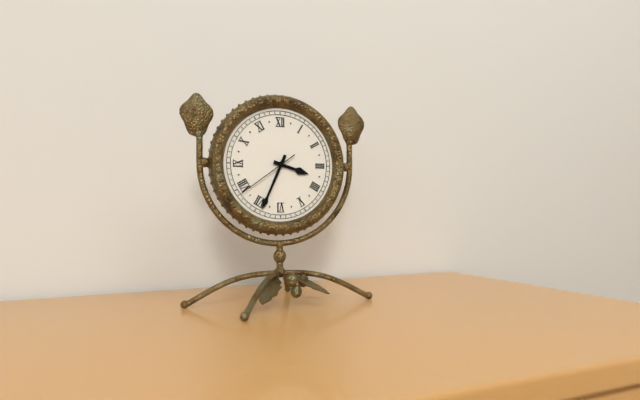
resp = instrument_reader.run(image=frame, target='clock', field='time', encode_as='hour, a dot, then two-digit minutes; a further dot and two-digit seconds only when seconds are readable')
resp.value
3.34.39
